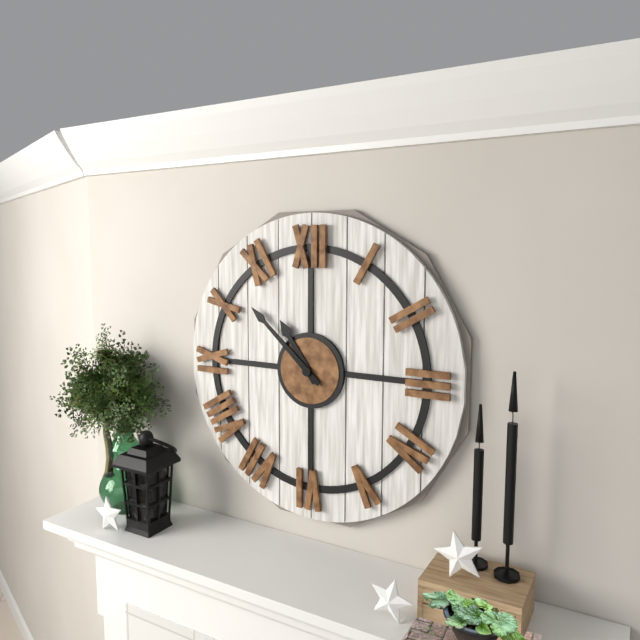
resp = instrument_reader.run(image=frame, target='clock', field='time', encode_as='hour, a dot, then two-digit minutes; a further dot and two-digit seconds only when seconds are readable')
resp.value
10.52
